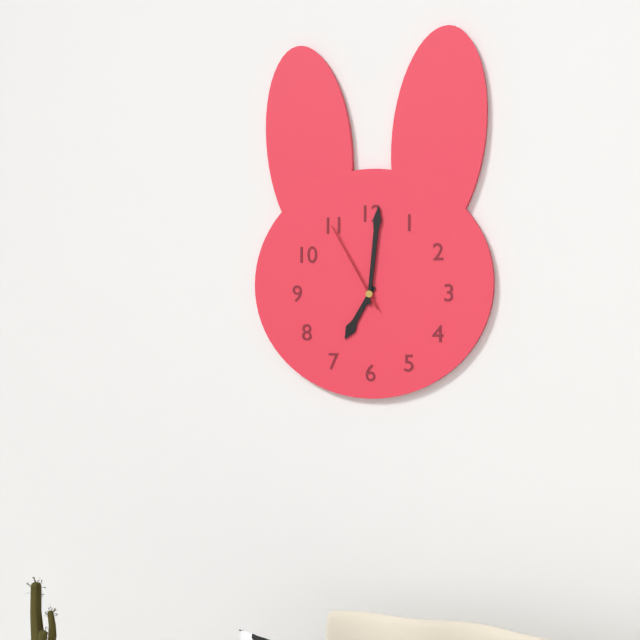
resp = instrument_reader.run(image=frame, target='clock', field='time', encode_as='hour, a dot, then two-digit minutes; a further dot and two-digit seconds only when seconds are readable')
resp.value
7.01.55
